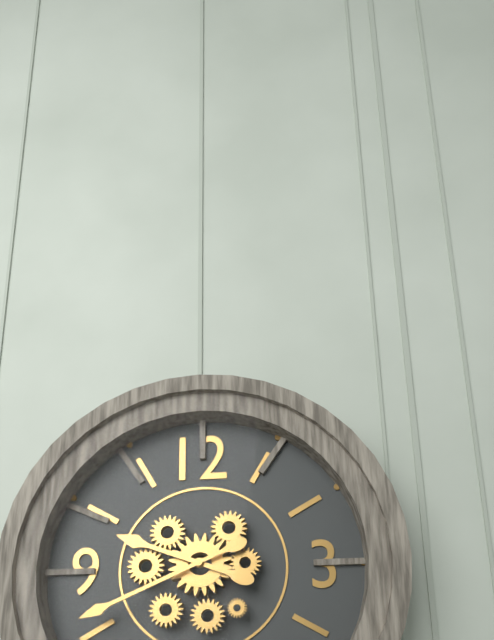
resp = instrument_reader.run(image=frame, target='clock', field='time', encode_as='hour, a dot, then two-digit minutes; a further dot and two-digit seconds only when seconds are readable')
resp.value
9.41
